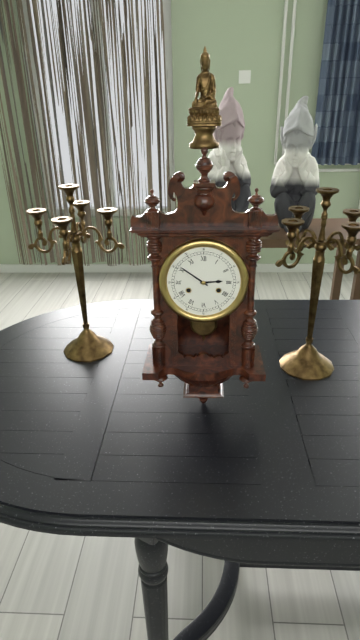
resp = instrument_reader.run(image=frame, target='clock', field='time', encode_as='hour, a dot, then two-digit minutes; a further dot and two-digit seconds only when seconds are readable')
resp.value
2.51
